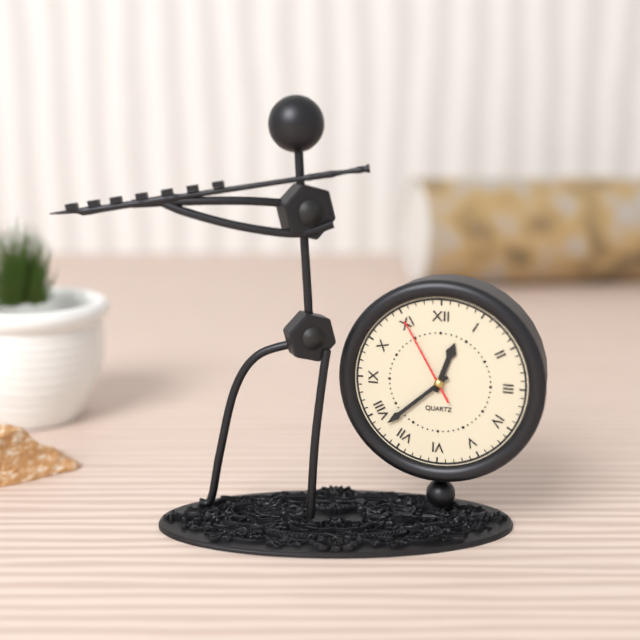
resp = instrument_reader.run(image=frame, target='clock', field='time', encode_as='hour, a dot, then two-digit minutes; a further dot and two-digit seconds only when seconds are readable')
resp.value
12.38.55
